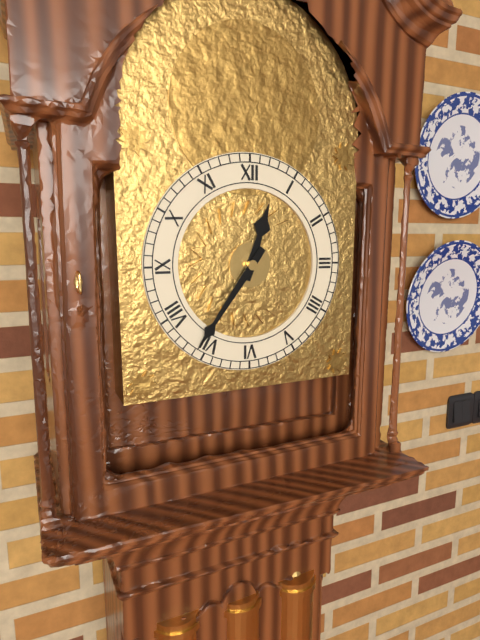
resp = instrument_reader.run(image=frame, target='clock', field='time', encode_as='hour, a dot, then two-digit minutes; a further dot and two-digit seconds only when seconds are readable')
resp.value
12.36
